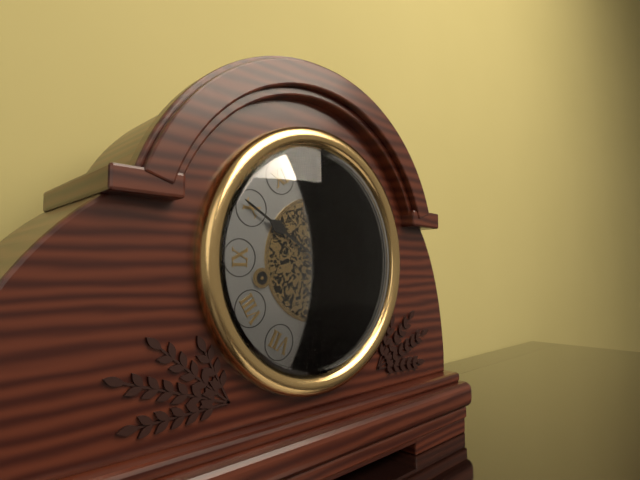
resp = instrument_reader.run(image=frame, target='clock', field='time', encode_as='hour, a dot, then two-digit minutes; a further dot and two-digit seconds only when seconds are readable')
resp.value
2.50
